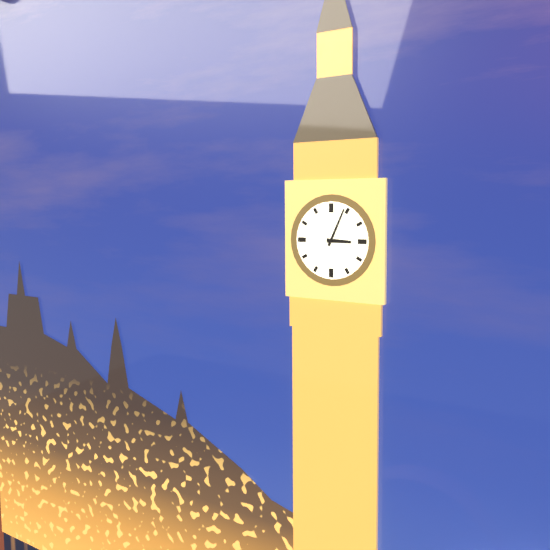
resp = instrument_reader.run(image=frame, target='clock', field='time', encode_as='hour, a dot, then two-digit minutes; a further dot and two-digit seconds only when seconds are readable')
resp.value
3.04
